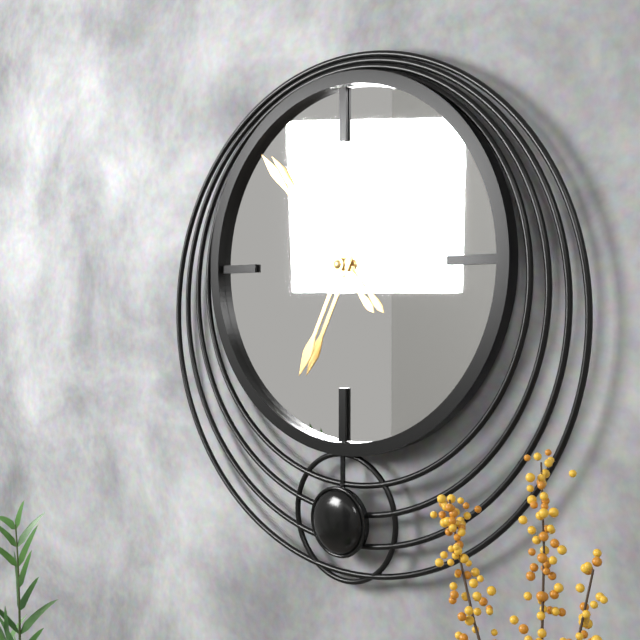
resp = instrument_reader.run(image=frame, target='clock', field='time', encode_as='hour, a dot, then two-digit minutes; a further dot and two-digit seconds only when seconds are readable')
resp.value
6.53
